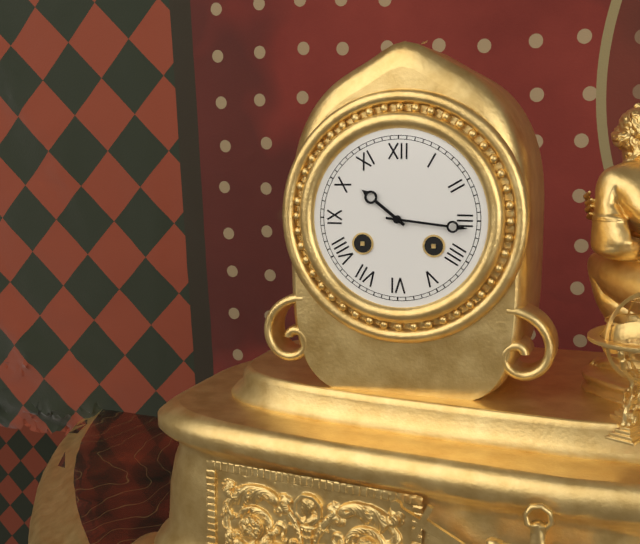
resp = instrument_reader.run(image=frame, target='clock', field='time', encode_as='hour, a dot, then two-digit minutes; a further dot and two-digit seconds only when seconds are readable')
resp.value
10.16
